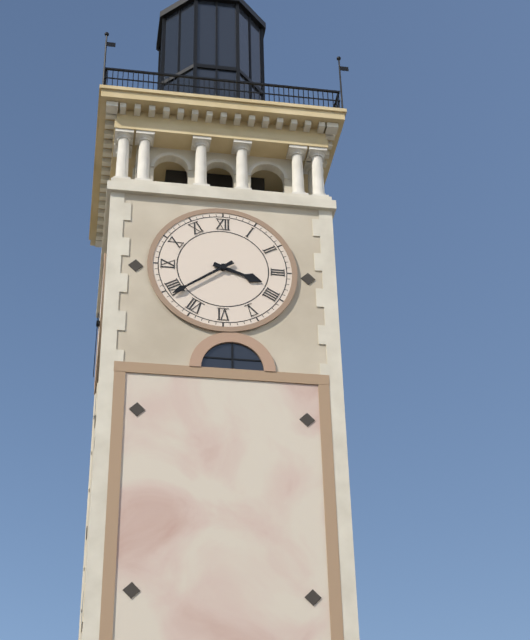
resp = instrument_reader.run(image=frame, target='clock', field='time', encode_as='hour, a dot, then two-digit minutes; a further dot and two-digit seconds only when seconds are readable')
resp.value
3.39
